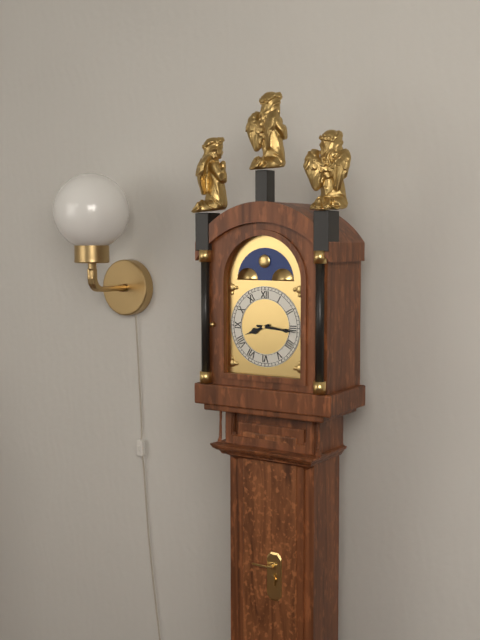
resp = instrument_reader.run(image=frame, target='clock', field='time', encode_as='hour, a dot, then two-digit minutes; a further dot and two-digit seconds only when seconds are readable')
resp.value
8.16
